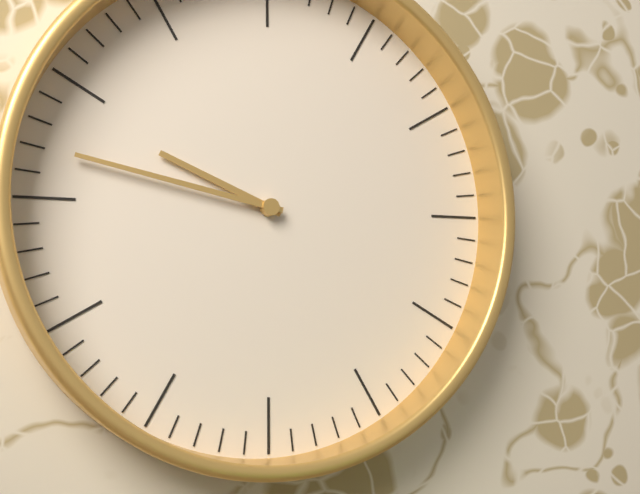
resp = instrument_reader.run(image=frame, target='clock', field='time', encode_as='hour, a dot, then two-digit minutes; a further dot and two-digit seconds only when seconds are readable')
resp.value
9.47
